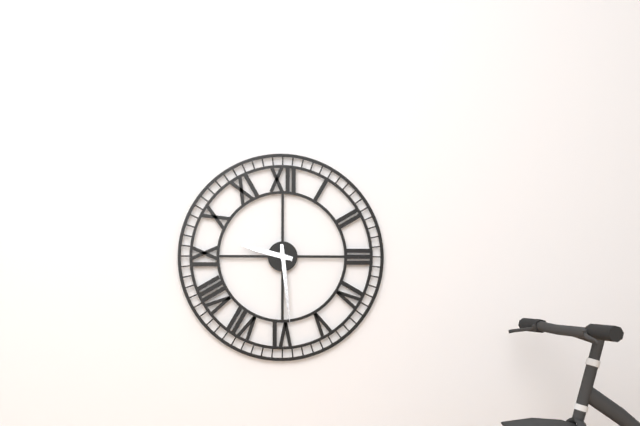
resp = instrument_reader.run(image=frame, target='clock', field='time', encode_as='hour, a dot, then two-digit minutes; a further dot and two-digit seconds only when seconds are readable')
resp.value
9.29
